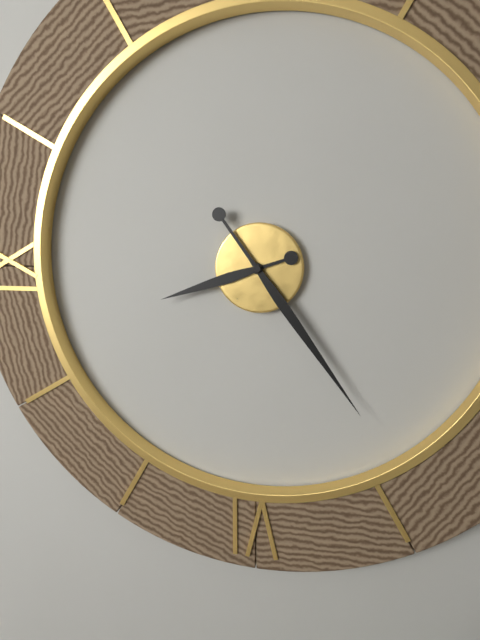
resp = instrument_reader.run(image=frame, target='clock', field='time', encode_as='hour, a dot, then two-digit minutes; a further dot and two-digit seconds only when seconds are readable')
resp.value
8.24
